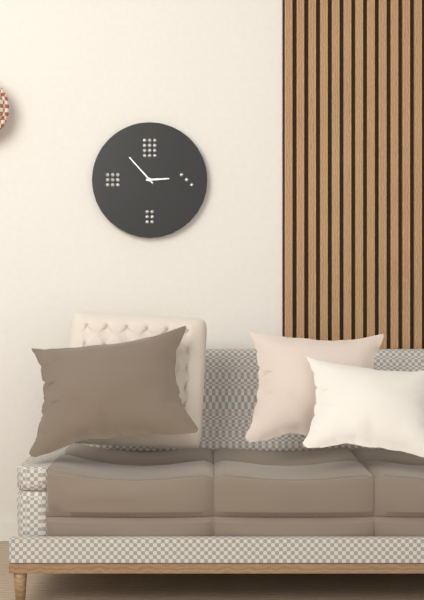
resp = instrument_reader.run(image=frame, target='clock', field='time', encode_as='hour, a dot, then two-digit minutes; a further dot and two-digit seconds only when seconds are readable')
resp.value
2.53
